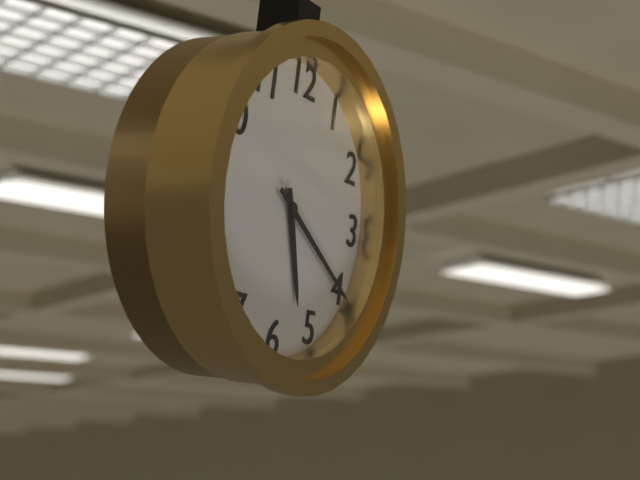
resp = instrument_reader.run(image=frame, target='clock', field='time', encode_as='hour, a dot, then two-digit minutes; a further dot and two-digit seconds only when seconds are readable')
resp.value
5.20
